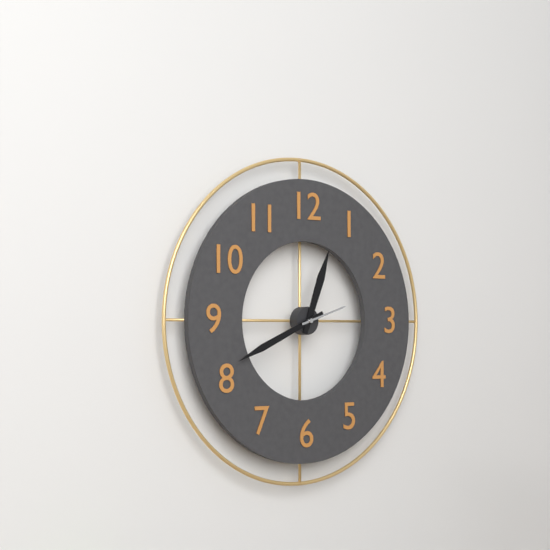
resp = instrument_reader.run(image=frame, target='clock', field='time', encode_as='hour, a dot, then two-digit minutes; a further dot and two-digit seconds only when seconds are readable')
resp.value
12.41
